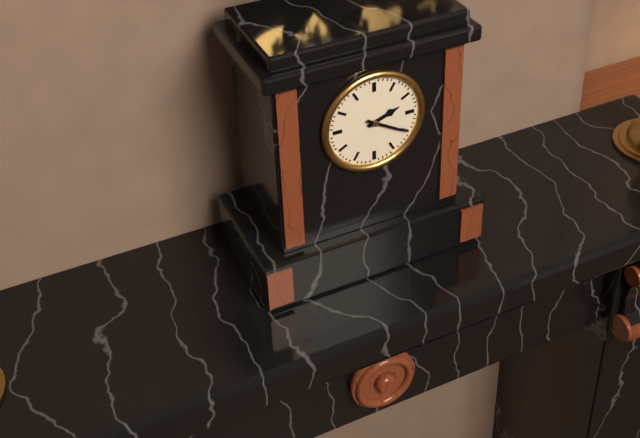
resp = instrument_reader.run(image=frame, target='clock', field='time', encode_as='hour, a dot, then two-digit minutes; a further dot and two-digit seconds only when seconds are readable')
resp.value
2.20
